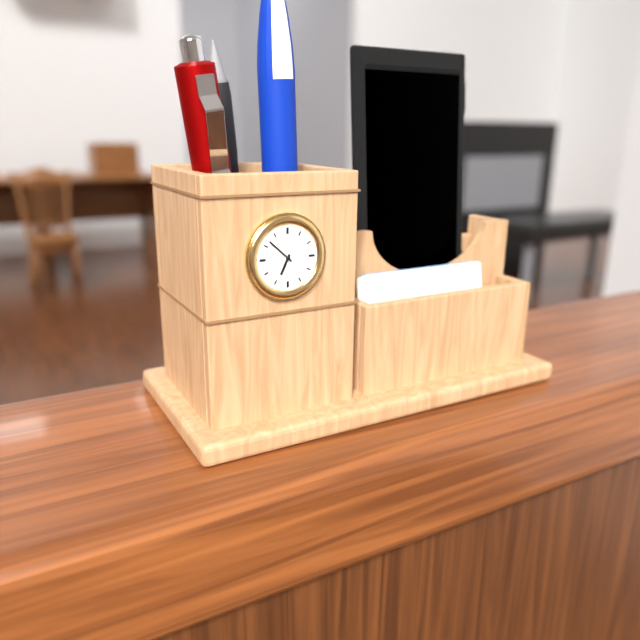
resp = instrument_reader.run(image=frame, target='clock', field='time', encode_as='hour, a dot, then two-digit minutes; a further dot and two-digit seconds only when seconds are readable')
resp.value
6.52
